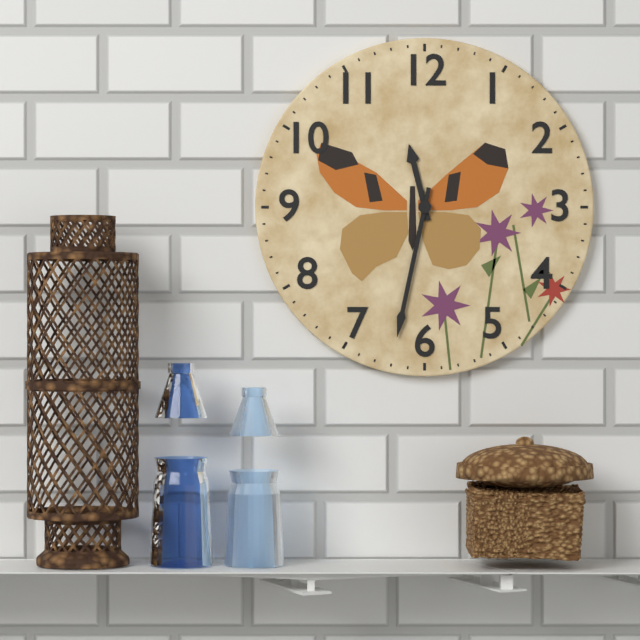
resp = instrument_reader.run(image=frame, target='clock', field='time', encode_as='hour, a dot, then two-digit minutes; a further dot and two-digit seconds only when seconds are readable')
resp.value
11.32
